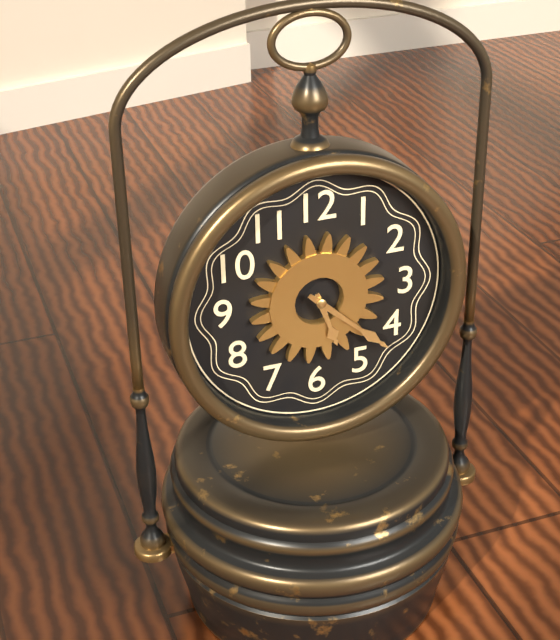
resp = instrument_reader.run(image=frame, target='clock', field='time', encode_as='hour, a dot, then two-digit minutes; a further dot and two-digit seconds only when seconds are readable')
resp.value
5.22
